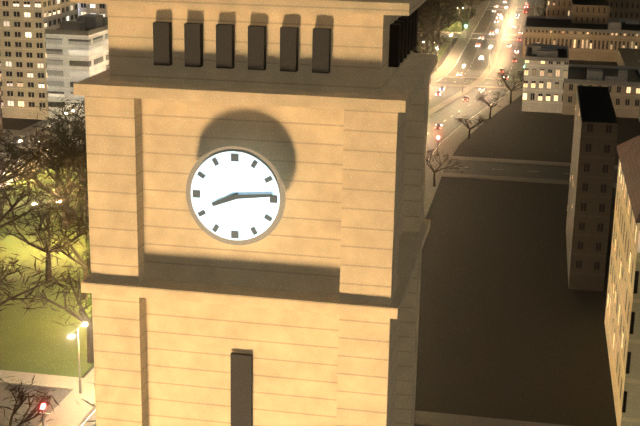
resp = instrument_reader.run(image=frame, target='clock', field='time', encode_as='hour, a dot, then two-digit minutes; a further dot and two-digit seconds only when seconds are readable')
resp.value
8.14
